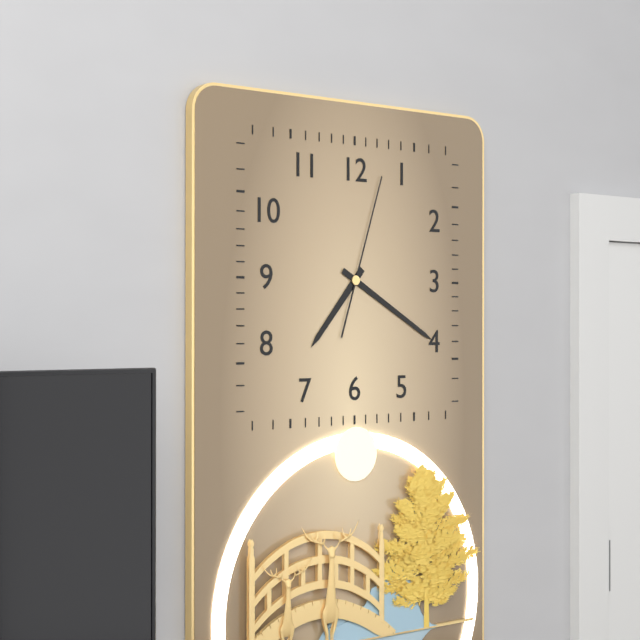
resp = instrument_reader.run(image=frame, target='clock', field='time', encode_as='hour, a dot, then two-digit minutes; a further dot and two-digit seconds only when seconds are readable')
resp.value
7.20.03
